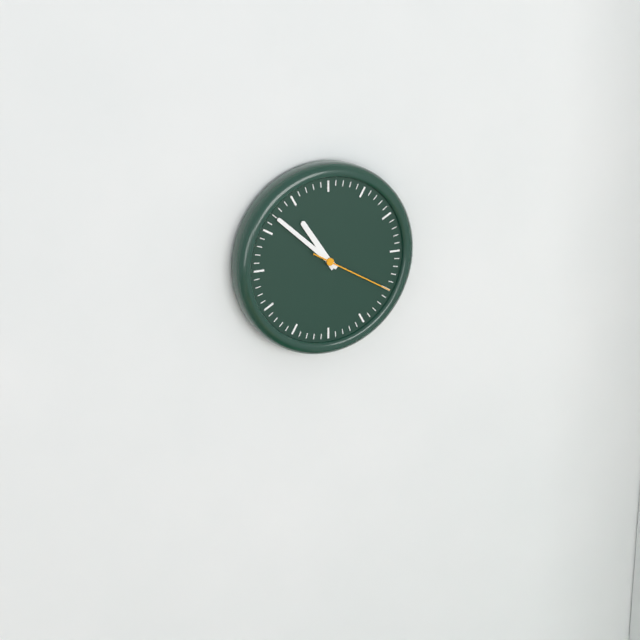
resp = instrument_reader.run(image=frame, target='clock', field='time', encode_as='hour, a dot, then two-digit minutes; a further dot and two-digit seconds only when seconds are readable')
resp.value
10.52.20
